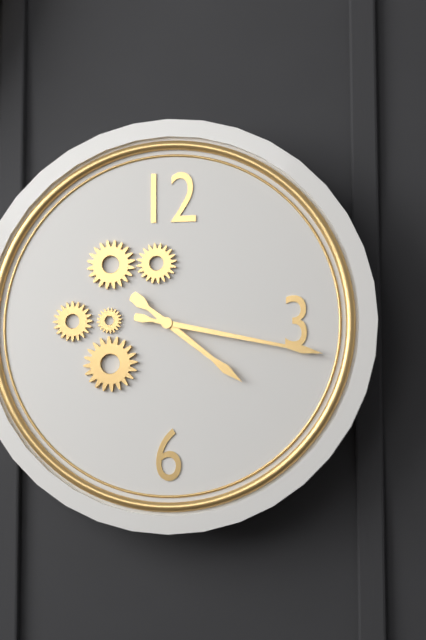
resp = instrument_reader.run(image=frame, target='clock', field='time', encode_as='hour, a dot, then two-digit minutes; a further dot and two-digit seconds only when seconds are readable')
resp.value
4.17
